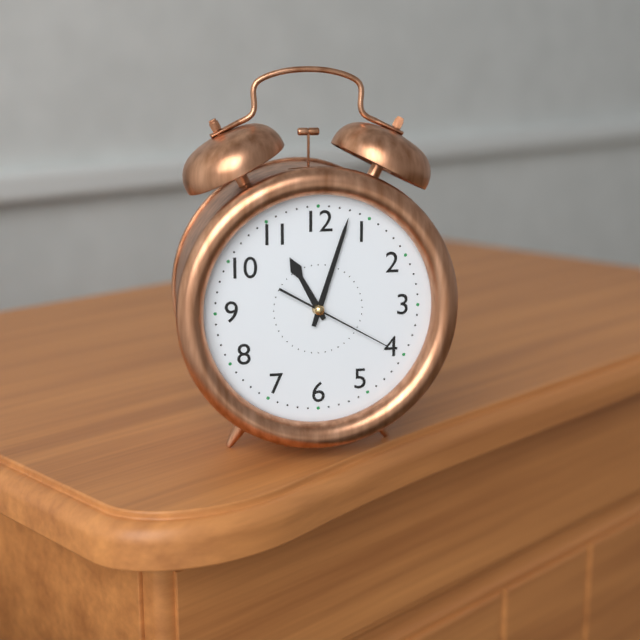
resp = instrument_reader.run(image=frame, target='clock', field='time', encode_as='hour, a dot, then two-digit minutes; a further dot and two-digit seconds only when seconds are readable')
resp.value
11.03.20
